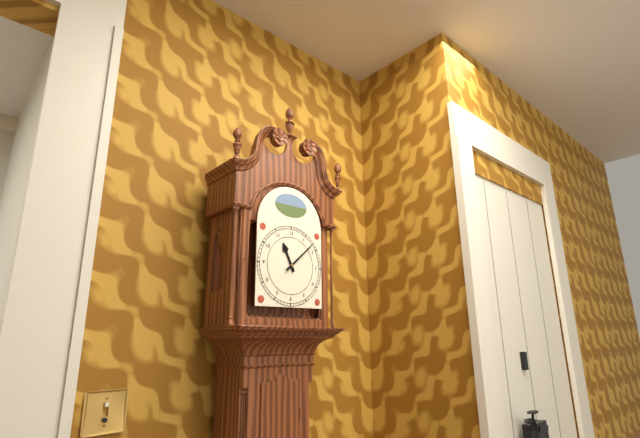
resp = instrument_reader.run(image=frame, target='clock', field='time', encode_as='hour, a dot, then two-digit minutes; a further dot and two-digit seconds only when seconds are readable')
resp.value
11.08
